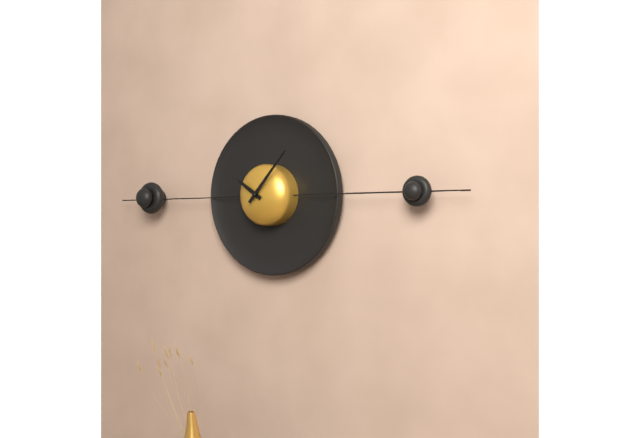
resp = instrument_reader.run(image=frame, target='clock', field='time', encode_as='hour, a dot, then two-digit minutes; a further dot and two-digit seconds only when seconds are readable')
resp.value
10.07
